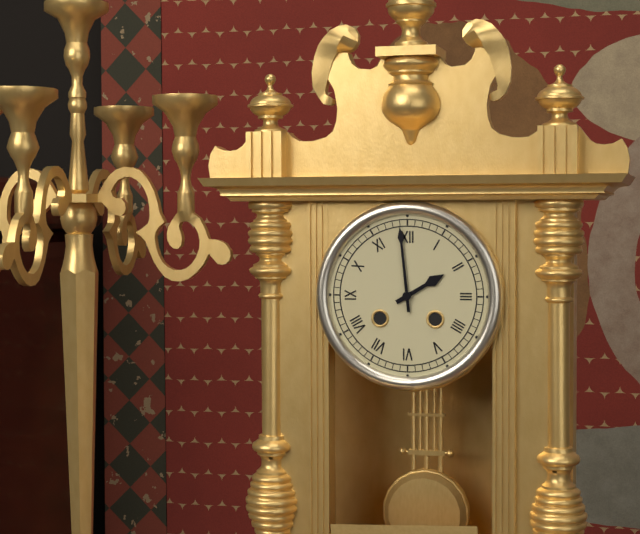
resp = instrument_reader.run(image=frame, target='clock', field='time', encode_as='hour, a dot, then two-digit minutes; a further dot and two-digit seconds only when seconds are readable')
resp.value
1.59
